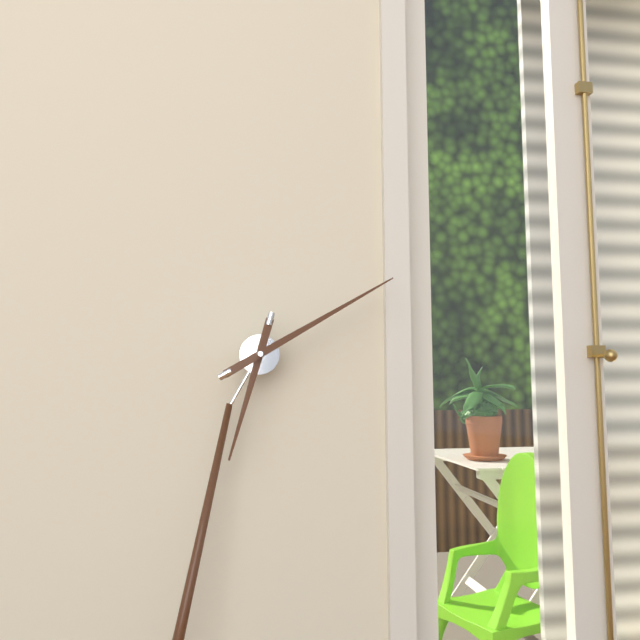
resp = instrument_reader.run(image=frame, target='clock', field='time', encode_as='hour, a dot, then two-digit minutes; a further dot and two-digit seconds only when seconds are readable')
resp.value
6.08
